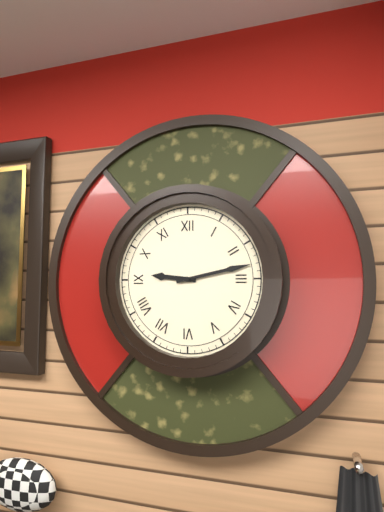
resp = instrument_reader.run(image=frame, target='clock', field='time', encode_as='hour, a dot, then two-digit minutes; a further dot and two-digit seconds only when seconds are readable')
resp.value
9.13
